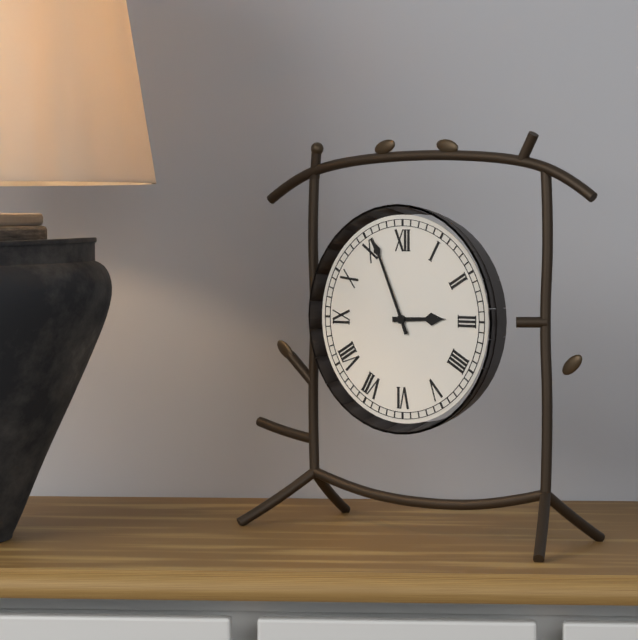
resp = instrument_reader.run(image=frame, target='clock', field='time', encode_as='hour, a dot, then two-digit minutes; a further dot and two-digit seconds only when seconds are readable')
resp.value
2.56
